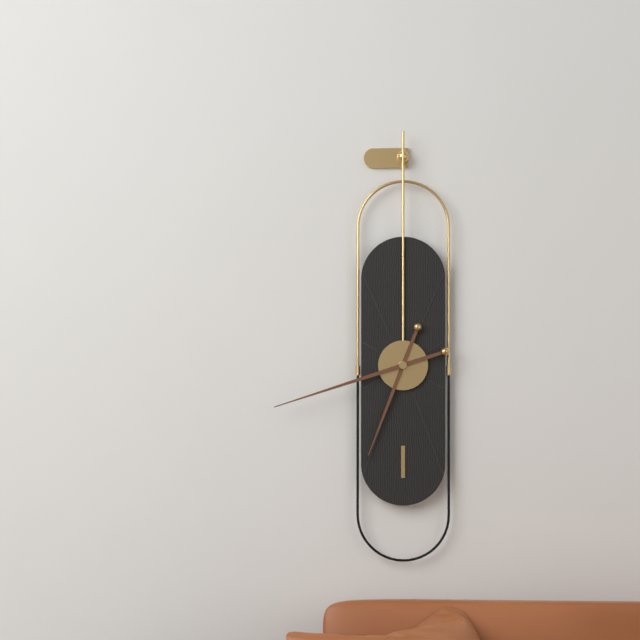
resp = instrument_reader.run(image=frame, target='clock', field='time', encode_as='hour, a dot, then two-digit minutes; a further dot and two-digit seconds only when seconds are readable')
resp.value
6.42
